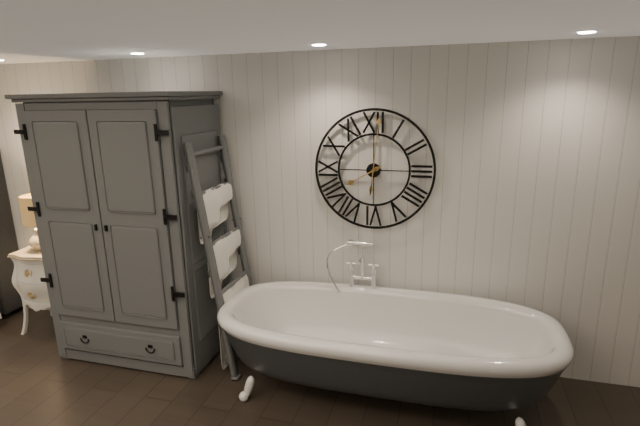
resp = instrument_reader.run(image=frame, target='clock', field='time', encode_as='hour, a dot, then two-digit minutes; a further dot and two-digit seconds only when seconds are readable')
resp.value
8.01
